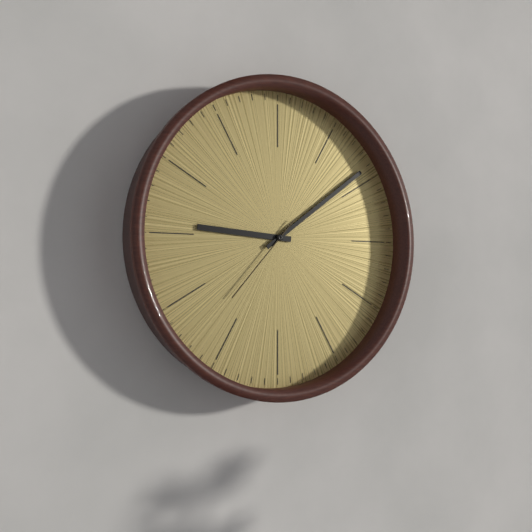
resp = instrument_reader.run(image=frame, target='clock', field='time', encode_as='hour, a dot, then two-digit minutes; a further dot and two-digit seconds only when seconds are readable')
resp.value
9.09.37
